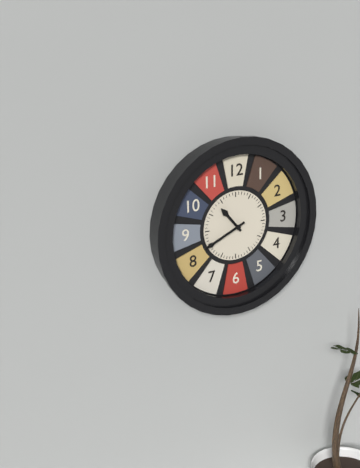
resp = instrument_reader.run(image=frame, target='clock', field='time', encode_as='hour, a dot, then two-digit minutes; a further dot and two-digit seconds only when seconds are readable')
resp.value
10.41
